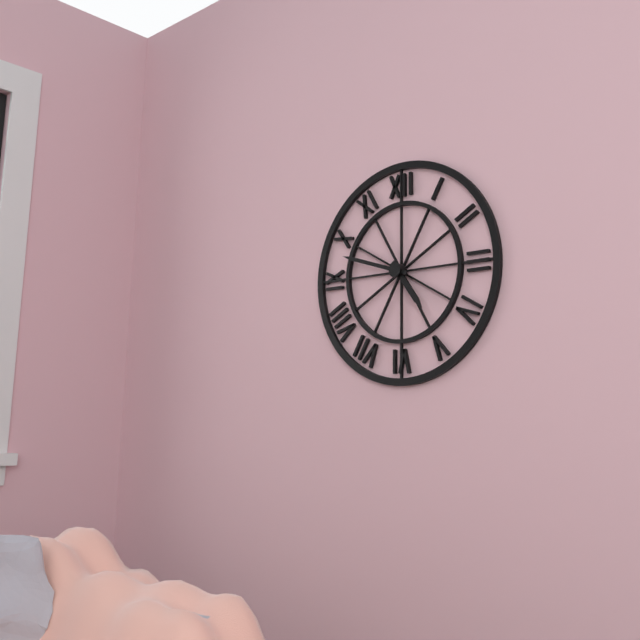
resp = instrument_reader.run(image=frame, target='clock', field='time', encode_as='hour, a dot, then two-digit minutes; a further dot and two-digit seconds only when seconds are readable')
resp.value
4.48
